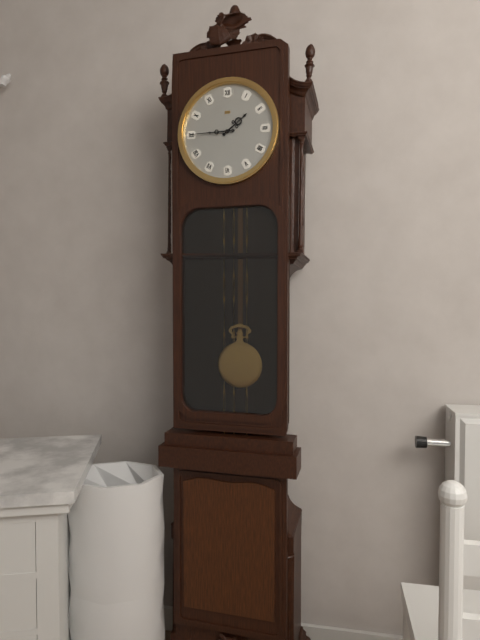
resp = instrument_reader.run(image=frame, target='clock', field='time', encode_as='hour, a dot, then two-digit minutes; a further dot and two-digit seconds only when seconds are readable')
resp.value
1.45
